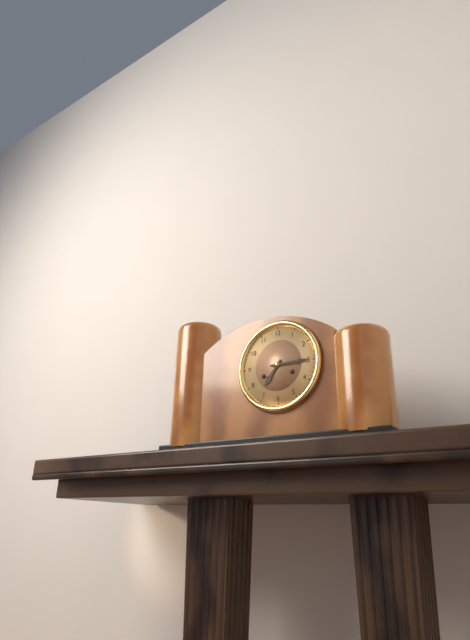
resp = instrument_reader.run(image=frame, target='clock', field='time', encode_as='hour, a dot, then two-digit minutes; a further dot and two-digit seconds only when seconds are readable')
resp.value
7.15
